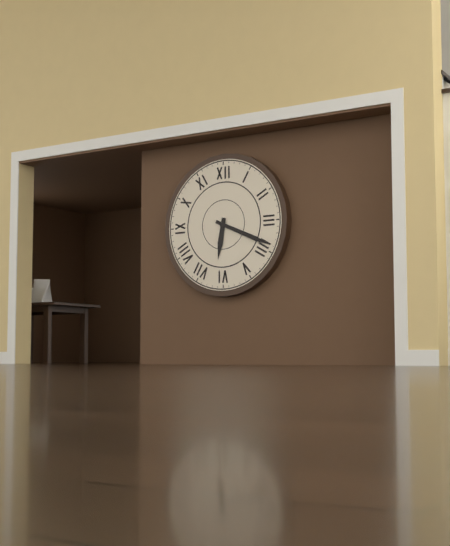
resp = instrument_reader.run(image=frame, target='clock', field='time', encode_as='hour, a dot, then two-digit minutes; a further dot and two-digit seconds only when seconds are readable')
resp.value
6.19
